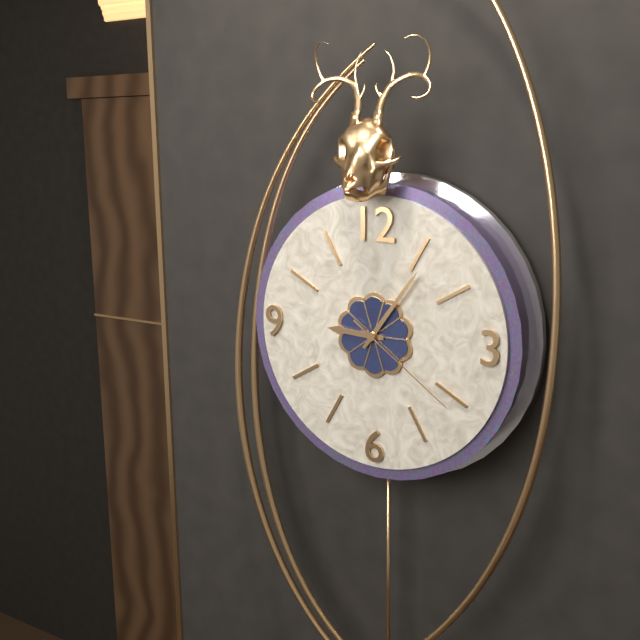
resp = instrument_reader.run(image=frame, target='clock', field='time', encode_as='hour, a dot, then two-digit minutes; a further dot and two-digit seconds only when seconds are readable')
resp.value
9.06.21
